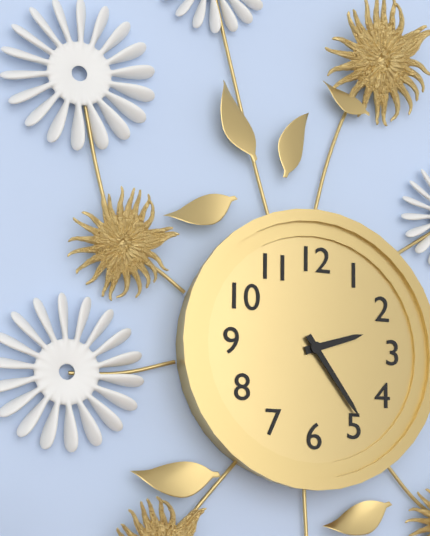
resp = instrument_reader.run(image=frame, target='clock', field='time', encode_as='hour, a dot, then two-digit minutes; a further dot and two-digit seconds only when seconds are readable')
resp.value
2.24
